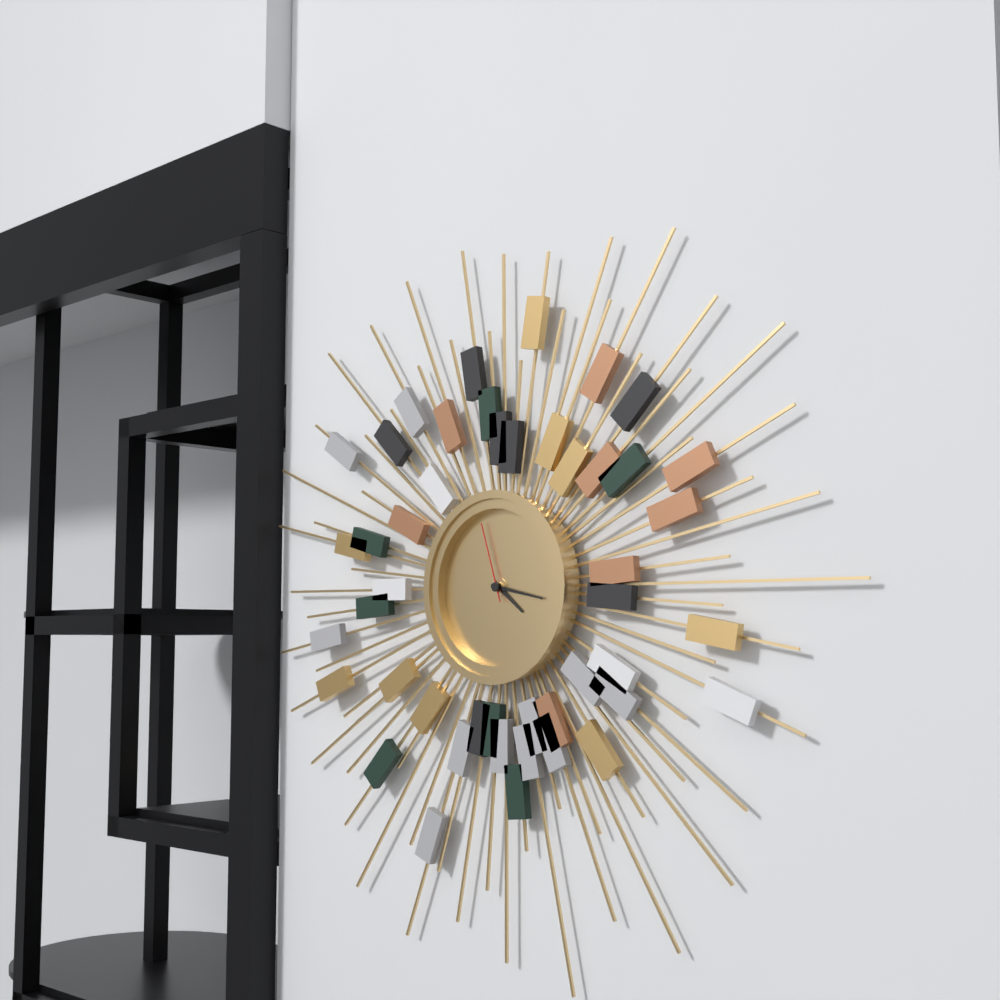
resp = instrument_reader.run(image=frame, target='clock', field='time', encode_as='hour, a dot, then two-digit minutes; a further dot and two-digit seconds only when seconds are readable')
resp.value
4.17.57
